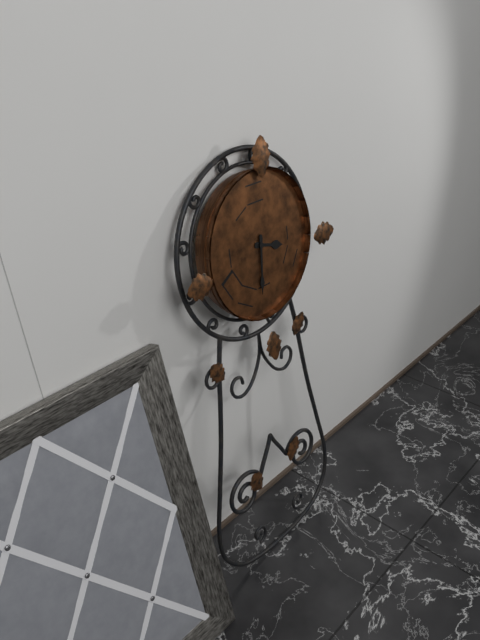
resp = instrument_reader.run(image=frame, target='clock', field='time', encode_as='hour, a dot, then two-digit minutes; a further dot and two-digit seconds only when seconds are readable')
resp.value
3.31
